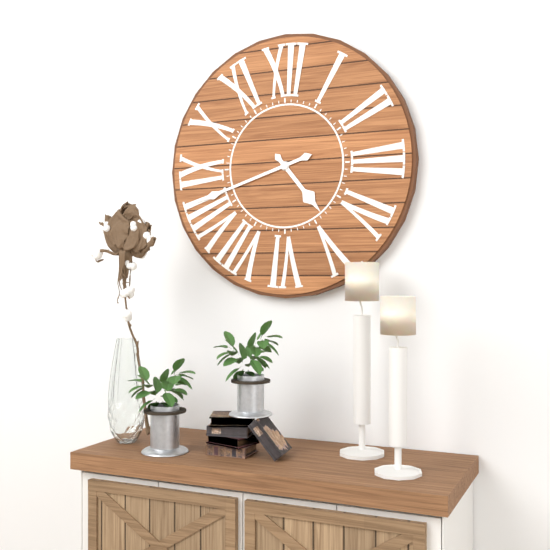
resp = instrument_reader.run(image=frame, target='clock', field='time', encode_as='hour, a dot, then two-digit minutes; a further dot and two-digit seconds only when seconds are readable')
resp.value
4.42
